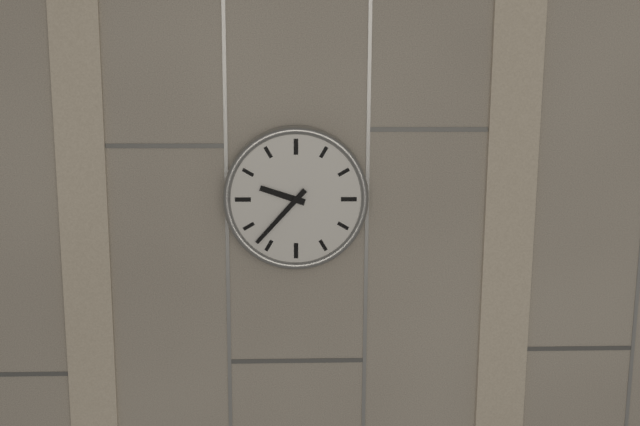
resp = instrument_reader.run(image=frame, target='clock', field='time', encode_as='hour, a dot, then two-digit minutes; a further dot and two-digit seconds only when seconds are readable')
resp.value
9.37
